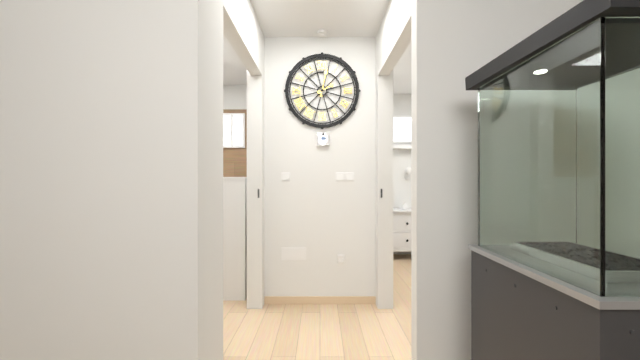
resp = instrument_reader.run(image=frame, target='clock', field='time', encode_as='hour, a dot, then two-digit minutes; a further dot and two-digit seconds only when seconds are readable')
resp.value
2.02
